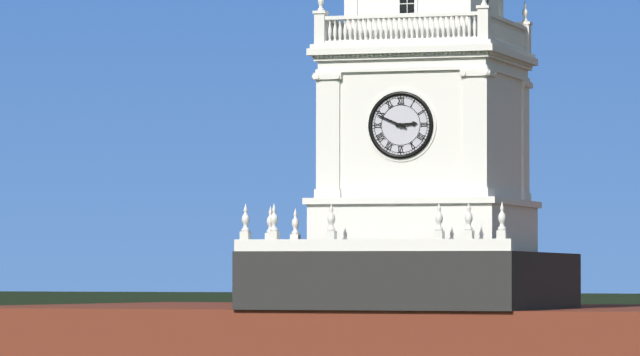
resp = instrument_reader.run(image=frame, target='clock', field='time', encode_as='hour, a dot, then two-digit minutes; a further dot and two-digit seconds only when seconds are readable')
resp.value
2.49
